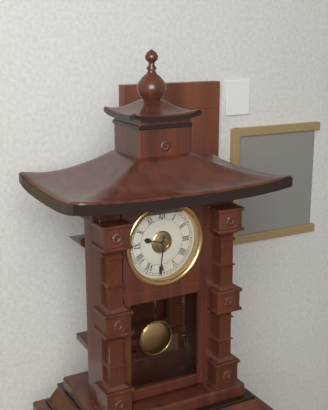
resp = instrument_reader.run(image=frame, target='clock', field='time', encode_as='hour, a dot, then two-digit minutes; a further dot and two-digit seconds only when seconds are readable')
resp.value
9.31
